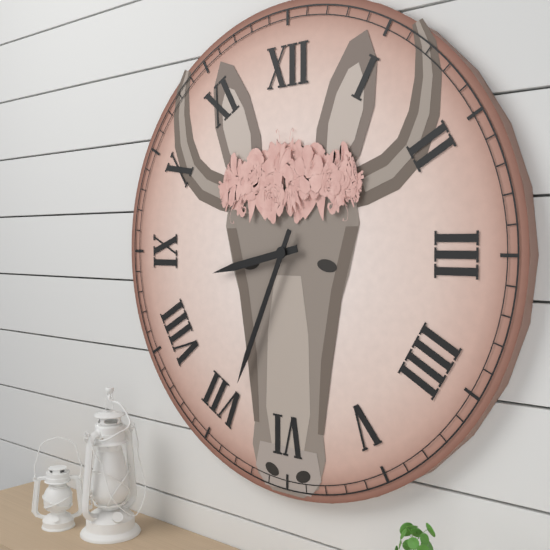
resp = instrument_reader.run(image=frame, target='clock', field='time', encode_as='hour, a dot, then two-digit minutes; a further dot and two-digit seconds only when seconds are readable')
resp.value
8.34
